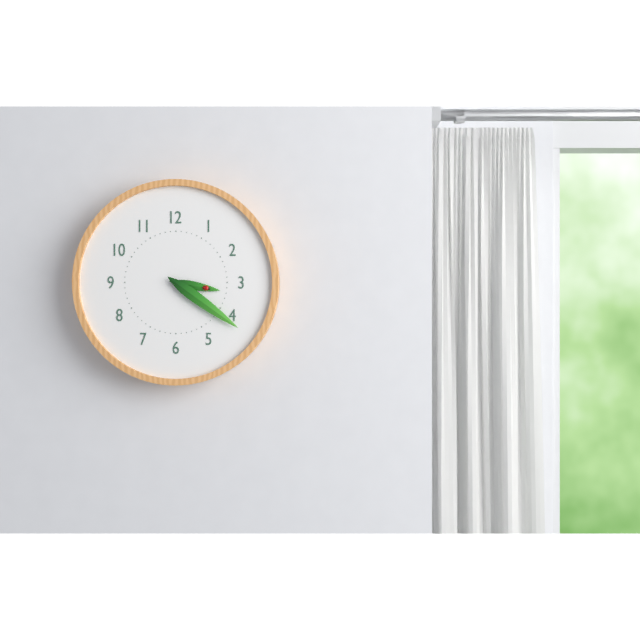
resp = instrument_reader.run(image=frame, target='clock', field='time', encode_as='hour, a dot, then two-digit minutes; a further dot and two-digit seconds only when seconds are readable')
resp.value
3.21
